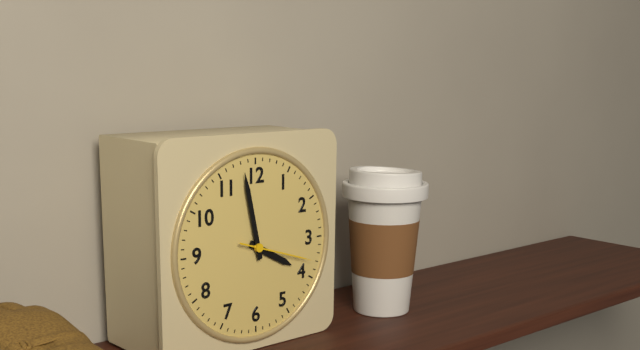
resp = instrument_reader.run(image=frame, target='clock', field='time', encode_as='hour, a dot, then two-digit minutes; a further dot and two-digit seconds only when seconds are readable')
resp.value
3.58.18
